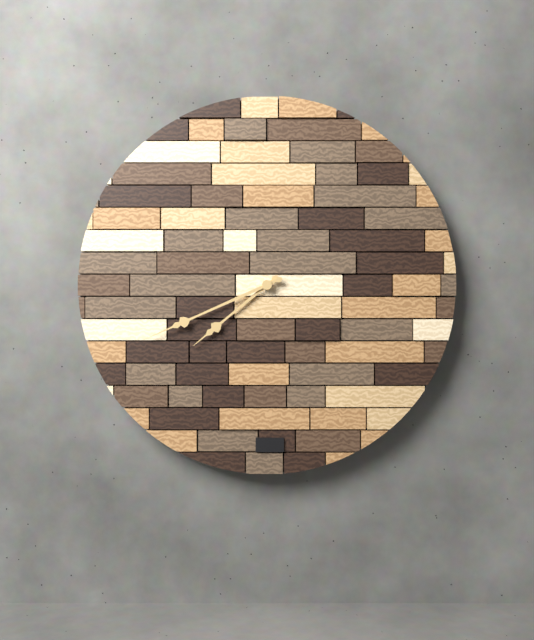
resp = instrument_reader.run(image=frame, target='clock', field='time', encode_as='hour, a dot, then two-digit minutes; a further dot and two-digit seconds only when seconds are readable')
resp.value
7.41
